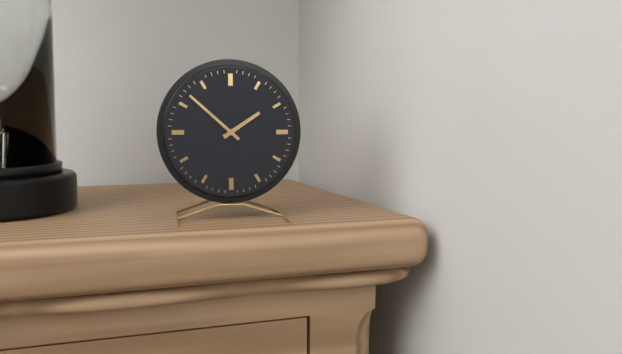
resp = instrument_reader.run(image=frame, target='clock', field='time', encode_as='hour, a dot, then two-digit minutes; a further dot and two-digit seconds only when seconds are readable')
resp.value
1.52
